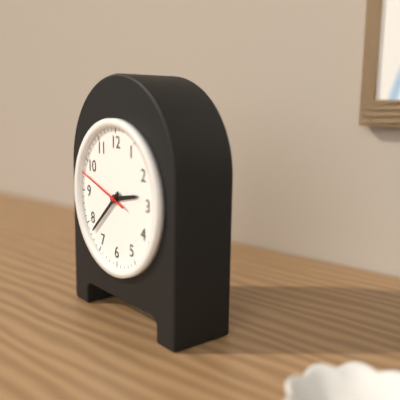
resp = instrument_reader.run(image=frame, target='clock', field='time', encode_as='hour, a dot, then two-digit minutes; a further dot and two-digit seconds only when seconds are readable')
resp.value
2.38.48
